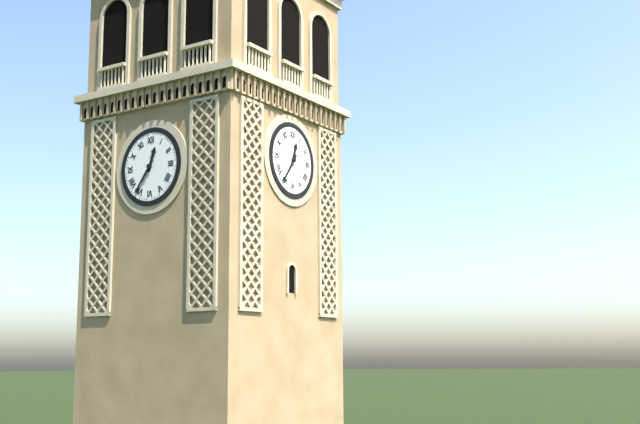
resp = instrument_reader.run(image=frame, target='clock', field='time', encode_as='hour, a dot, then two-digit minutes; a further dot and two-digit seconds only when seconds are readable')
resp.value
12.36
